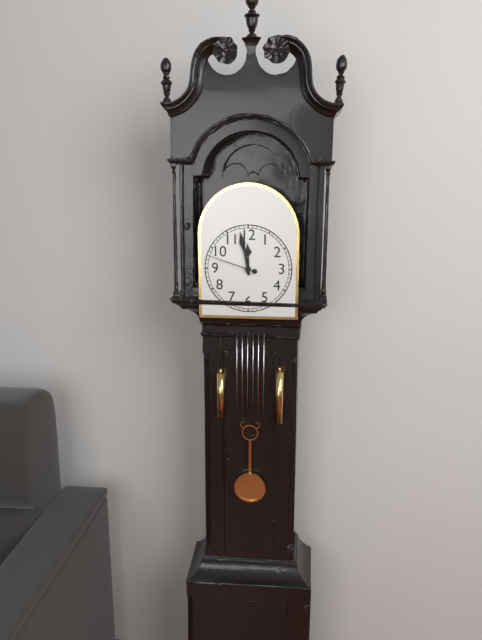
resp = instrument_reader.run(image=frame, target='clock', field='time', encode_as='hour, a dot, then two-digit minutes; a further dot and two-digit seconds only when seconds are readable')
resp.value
11.58.48
